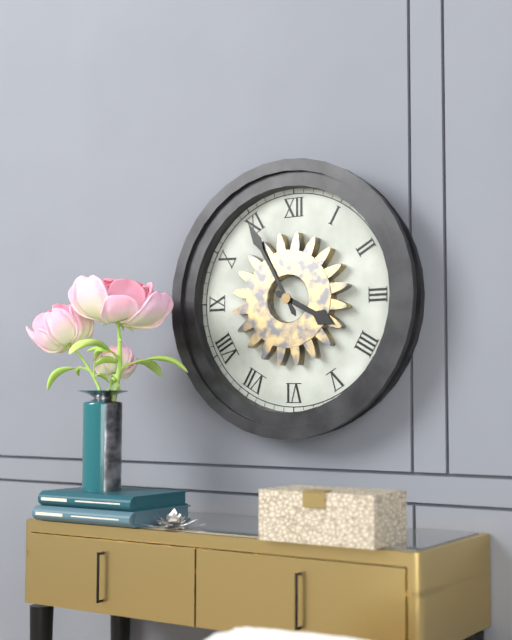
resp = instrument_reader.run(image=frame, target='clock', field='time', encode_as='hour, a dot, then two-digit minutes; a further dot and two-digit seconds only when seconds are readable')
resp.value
3.55
